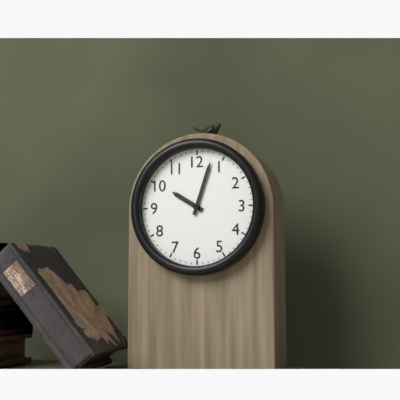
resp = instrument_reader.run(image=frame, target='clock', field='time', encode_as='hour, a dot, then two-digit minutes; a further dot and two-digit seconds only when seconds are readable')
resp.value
10.03
